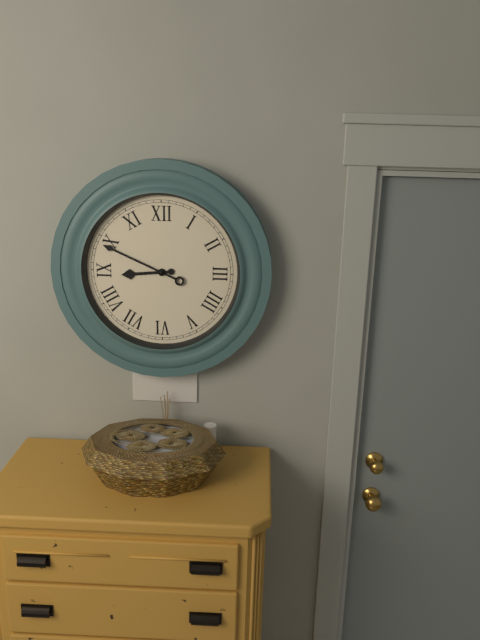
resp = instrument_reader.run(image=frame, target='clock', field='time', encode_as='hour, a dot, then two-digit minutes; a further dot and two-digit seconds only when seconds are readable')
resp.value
8.49
